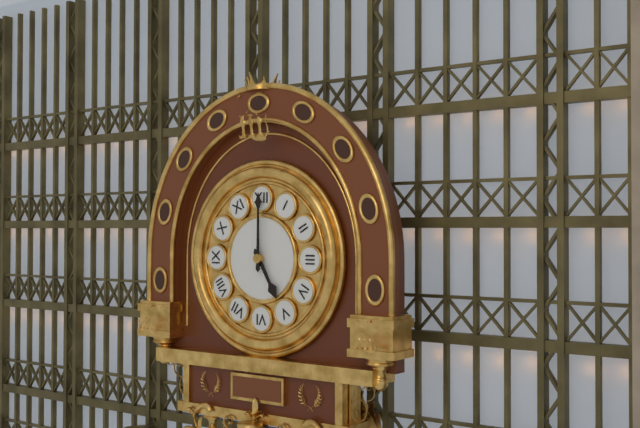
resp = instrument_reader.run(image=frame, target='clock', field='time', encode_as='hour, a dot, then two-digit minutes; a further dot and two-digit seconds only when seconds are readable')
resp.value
5.00
